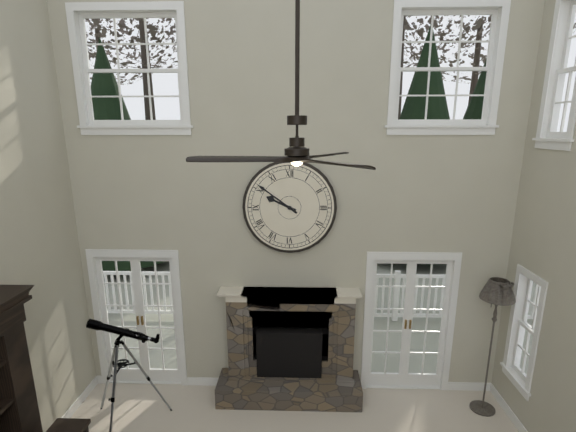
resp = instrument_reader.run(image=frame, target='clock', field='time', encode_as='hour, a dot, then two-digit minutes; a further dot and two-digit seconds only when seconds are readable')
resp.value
9.51
